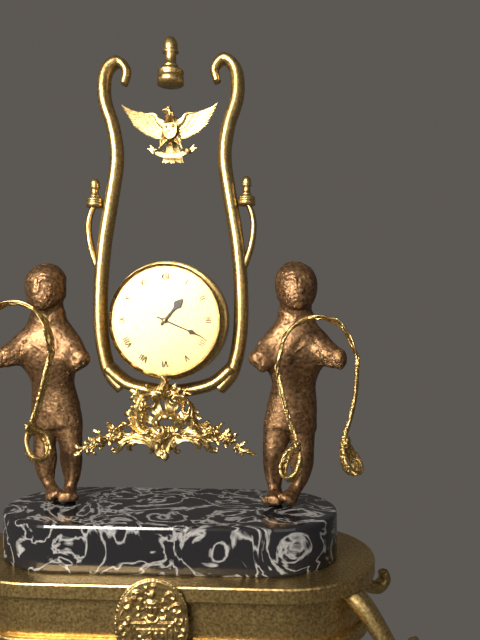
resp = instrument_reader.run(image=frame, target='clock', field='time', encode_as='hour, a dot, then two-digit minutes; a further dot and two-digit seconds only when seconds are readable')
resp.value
1.19
